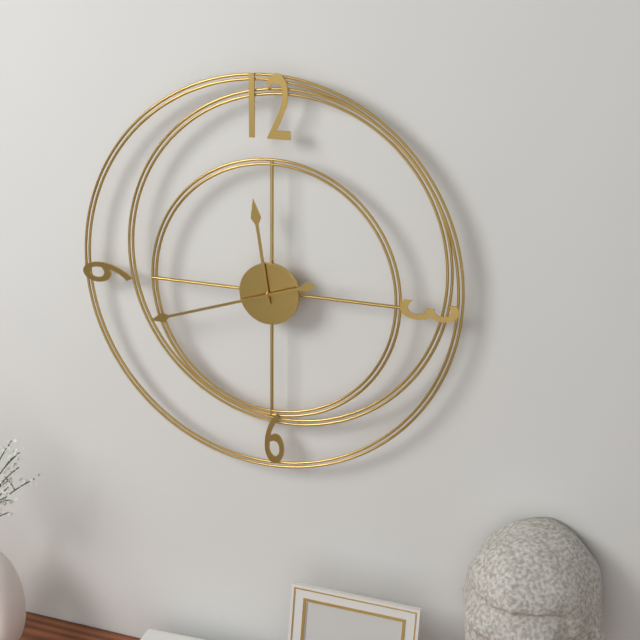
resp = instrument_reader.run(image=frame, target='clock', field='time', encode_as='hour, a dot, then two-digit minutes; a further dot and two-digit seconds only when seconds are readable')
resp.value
11.42
